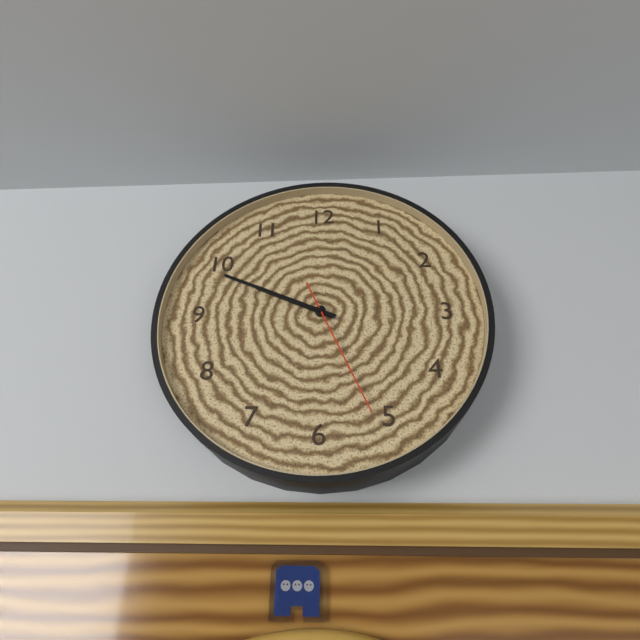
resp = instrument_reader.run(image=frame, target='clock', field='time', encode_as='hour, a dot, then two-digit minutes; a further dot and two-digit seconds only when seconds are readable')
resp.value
9.49.26
